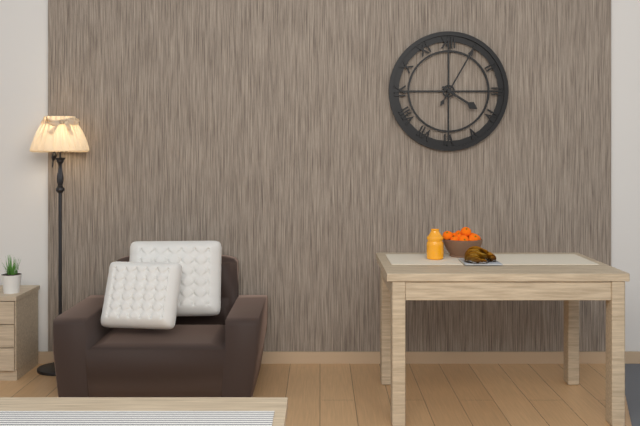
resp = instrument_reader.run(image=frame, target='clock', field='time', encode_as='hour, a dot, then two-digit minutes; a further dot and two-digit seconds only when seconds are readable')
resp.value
4.05
